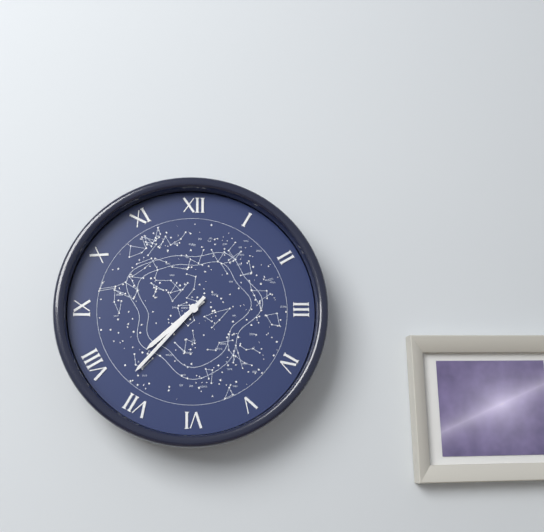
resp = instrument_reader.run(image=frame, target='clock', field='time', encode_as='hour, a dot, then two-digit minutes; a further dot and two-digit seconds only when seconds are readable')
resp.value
7.37
